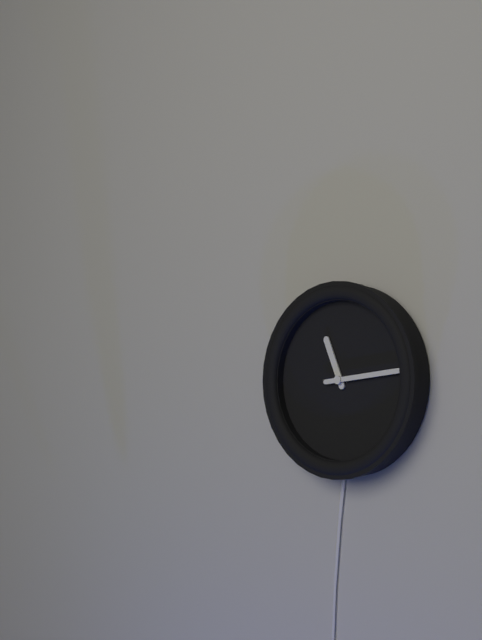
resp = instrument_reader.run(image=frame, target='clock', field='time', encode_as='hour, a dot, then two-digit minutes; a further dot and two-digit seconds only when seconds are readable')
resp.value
11.14
